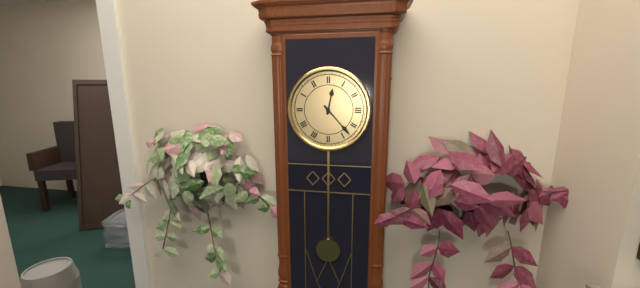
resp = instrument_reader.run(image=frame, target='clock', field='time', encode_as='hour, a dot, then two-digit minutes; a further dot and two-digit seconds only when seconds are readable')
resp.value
12.23
